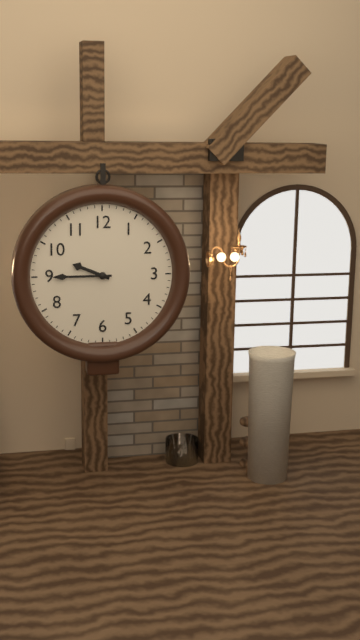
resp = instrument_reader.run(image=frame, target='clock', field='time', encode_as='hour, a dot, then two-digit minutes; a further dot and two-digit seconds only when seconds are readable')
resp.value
9.45
